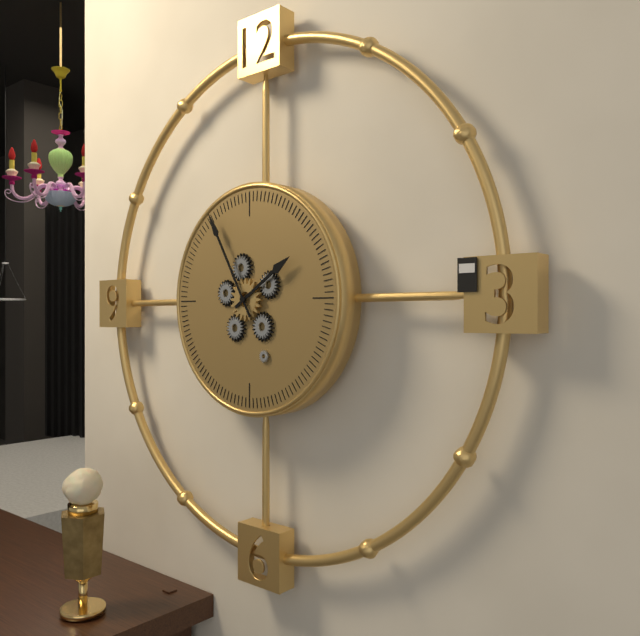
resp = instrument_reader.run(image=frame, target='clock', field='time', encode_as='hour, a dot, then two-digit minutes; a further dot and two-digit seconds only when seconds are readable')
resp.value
1.55
